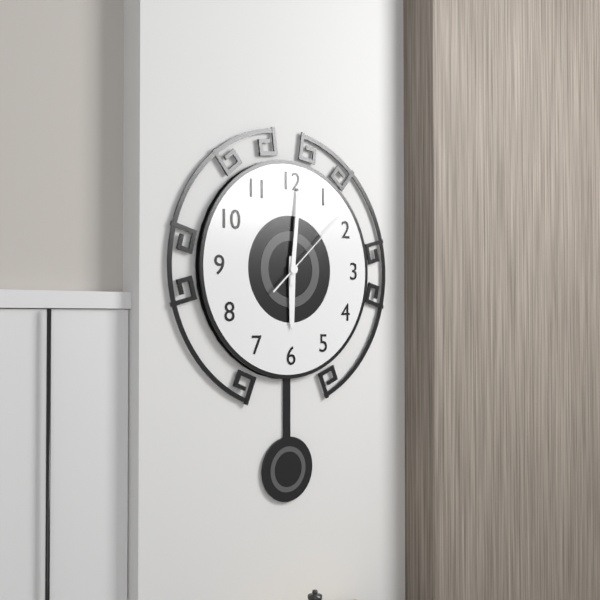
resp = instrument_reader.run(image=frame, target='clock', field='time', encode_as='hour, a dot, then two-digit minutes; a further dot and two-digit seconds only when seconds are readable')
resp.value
6.01.08
